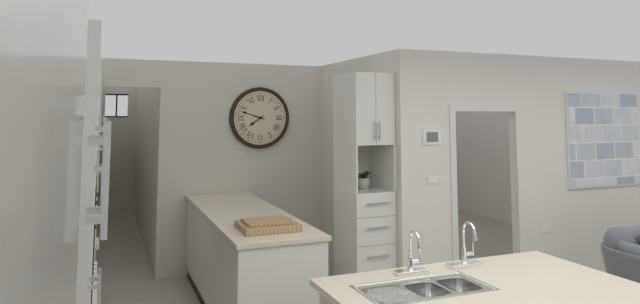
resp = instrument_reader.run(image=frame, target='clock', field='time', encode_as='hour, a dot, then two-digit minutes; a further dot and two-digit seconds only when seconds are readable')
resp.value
7.48
